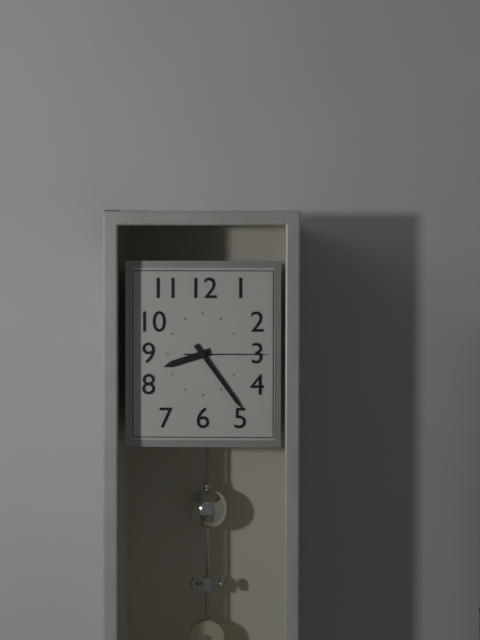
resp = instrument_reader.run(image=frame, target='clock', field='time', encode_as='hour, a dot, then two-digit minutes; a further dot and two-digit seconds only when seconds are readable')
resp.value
8.24.15
